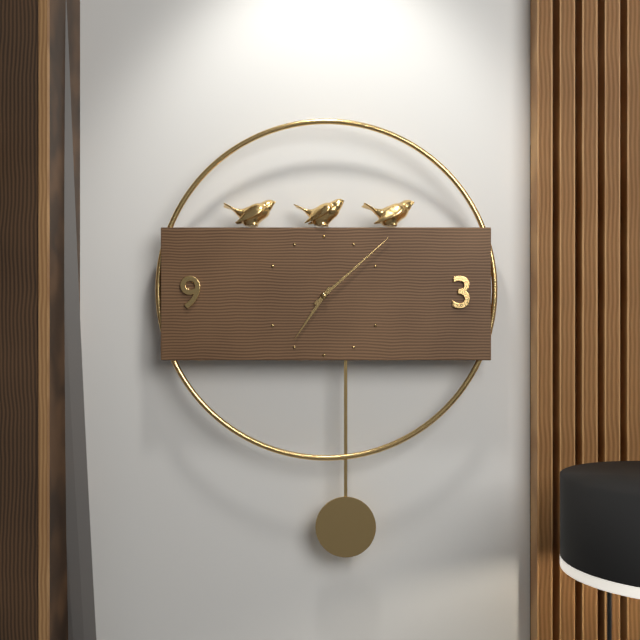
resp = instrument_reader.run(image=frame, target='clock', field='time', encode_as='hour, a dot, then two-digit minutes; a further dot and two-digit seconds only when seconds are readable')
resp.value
7.08
